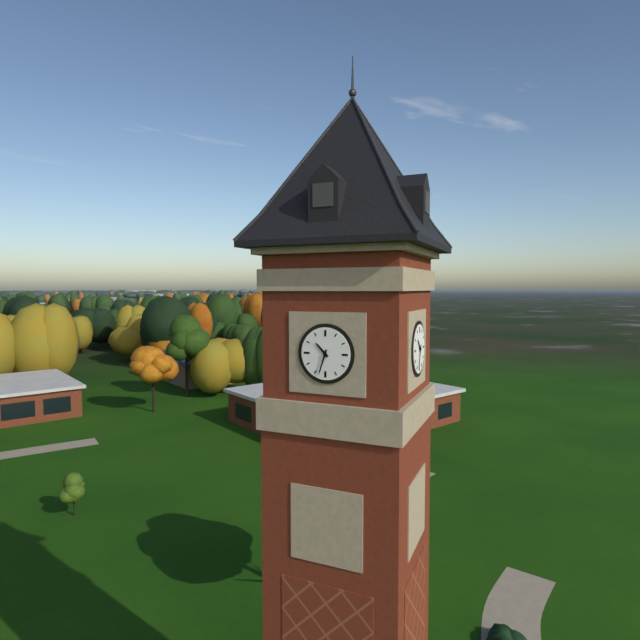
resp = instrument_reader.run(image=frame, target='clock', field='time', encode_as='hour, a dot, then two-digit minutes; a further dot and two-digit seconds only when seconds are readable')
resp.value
10.33
